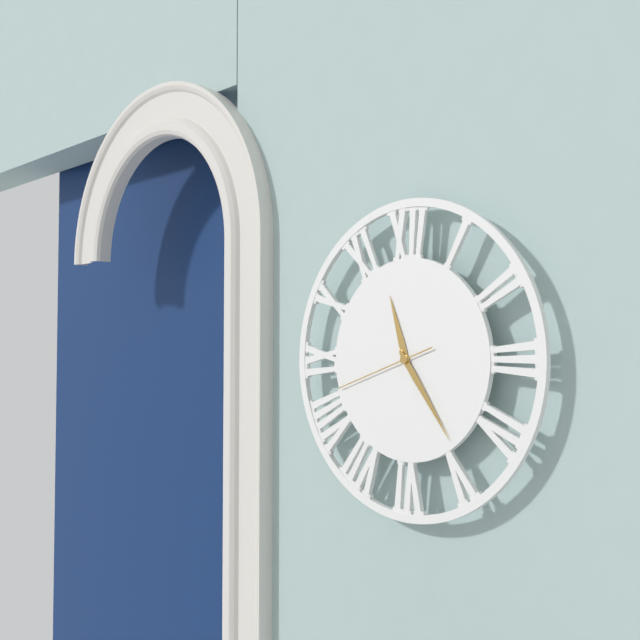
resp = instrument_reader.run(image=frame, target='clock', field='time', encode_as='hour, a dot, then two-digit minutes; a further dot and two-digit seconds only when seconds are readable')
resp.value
11.24.42
